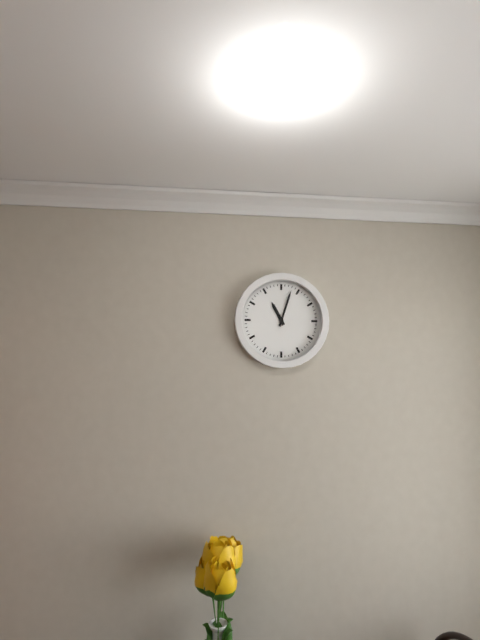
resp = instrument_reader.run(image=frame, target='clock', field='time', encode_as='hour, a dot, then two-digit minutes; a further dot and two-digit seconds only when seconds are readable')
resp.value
11.03
